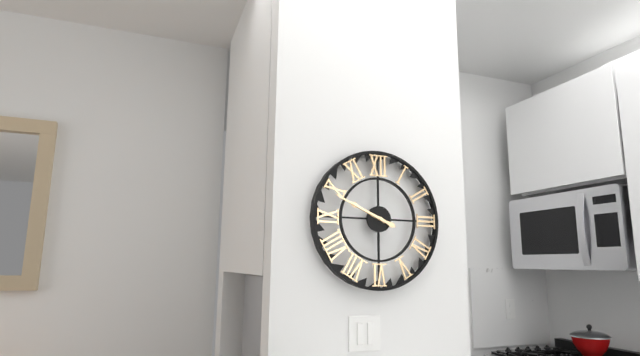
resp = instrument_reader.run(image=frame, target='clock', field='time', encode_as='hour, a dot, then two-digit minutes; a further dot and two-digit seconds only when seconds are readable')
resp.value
9.49
